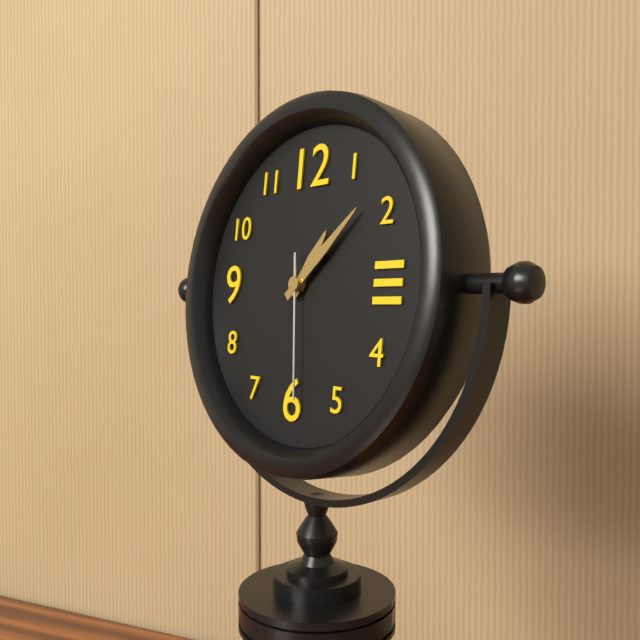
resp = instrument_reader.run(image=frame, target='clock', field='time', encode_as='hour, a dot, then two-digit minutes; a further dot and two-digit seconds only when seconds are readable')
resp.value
1.08.29
